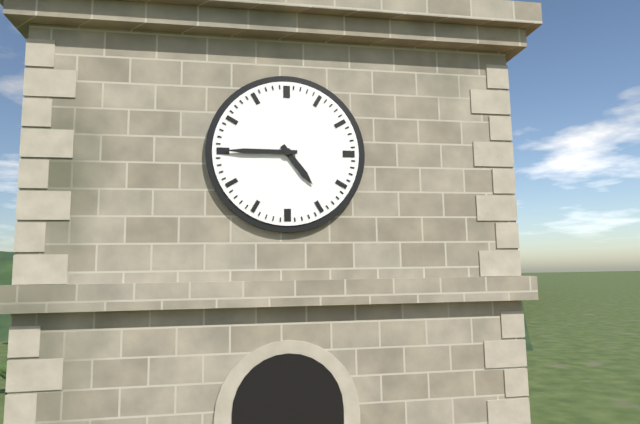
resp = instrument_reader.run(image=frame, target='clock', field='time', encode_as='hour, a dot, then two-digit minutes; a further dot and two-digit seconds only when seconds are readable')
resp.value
4.45
